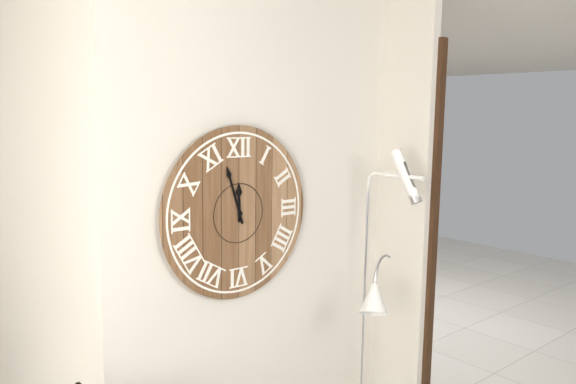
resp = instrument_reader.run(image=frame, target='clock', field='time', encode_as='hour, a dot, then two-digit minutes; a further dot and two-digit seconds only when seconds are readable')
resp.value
11.57
